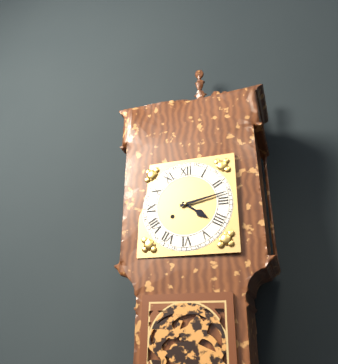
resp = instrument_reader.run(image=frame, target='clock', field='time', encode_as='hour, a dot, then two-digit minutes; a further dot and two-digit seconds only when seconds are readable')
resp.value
4.13
